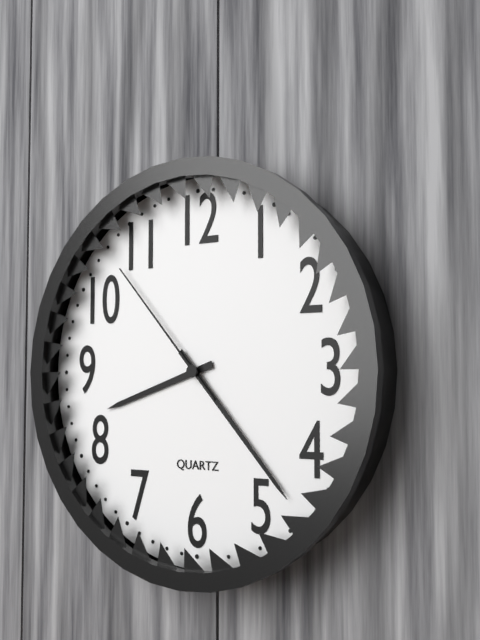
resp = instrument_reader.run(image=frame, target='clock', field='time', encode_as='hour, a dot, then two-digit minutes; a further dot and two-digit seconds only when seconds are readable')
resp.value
8.23.53
